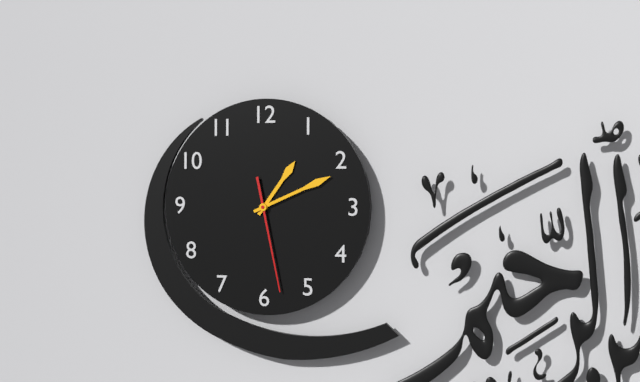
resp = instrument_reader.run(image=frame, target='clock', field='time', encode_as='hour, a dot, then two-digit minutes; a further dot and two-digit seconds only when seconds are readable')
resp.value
1.11.28
